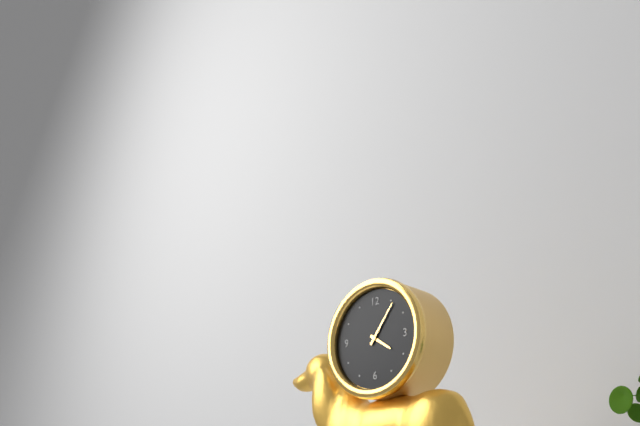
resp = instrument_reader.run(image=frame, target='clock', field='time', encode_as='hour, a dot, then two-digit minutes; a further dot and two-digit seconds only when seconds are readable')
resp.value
4.06
